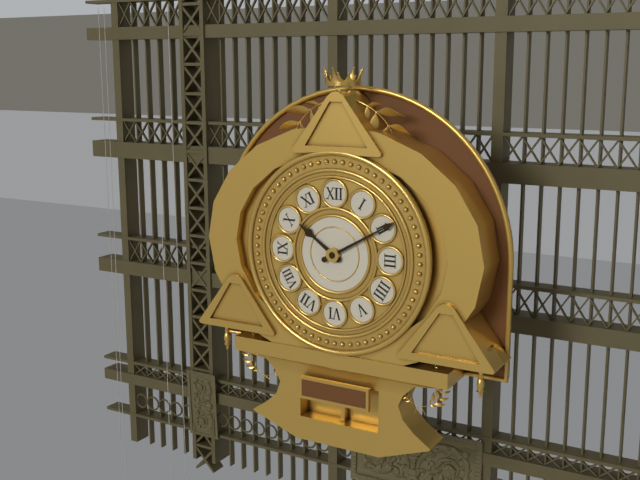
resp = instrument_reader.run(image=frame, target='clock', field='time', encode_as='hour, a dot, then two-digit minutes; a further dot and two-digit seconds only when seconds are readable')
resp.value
10.10
